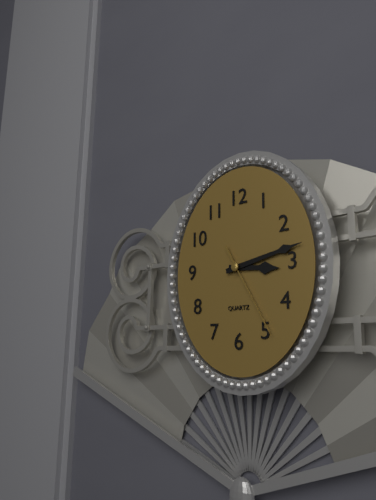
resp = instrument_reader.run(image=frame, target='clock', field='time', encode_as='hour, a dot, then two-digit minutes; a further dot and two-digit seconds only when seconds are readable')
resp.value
3.13.25
